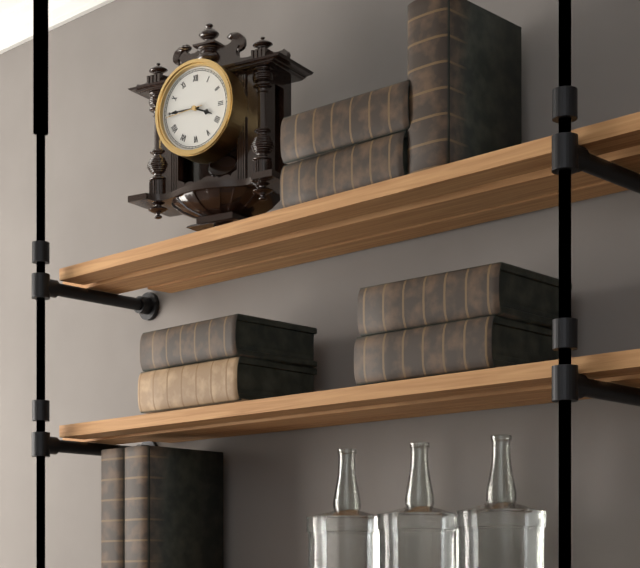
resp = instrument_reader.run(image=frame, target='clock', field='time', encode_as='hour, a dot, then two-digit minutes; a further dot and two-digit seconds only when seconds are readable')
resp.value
3.45
